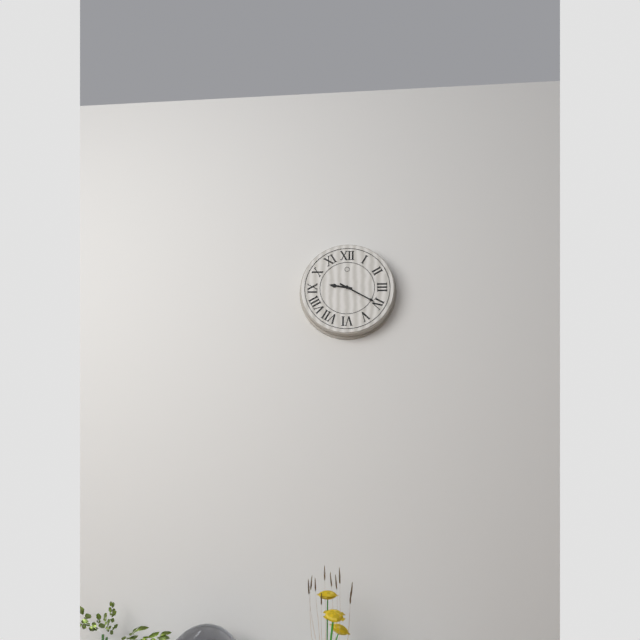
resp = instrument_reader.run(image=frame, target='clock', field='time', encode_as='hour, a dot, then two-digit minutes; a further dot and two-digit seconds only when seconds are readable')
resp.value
9.20
